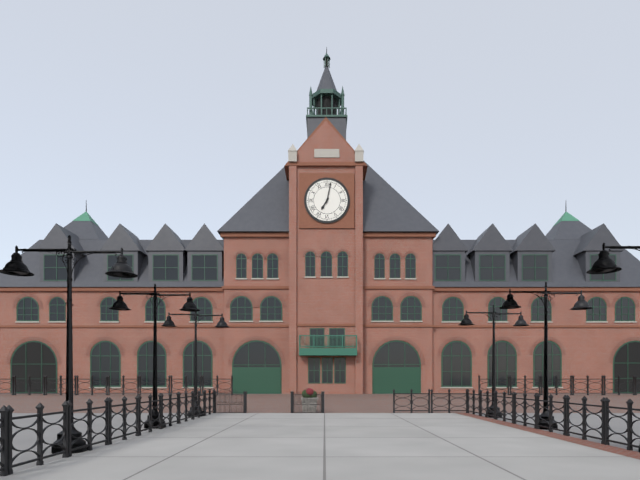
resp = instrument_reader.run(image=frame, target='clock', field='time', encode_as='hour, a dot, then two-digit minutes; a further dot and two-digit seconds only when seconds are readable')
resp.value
7.02
